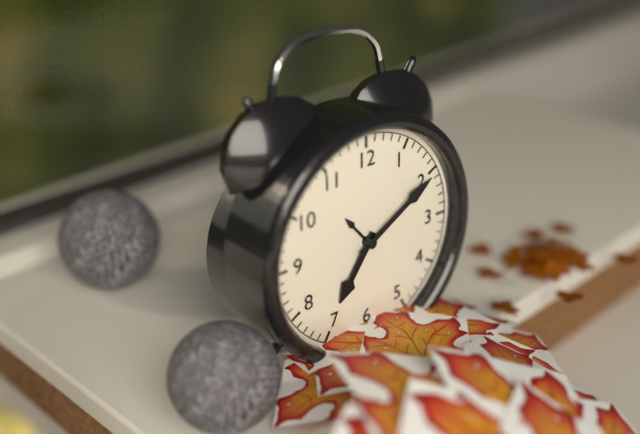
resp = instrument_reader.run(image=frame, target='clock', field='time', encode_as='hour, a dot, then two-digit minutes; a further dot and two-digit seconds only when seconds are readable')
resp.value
7.10
